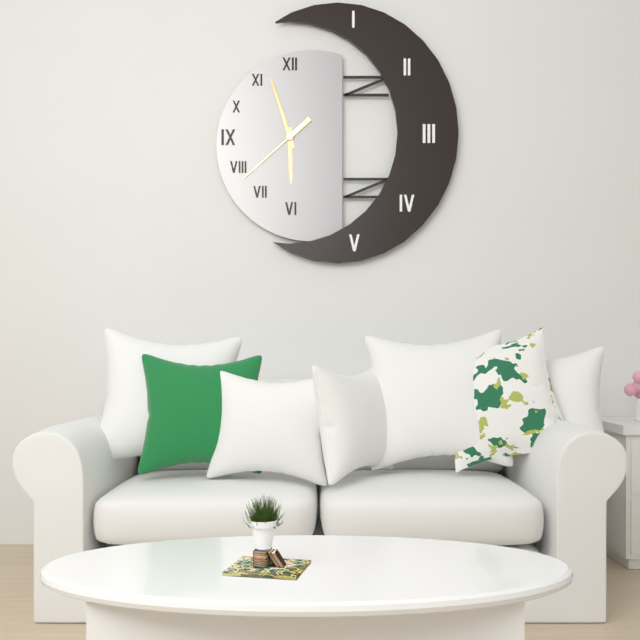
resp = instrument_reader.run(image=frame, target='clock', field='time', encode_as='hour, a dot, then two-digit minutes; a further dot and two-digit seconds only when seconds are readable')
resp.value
5.57.38
